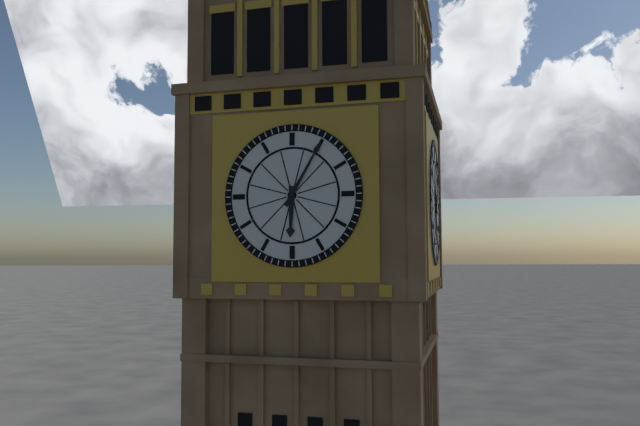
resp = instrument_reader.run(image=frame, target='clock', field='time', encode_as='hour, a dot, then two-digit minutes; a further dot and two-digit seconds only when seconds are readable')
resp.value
6.05
